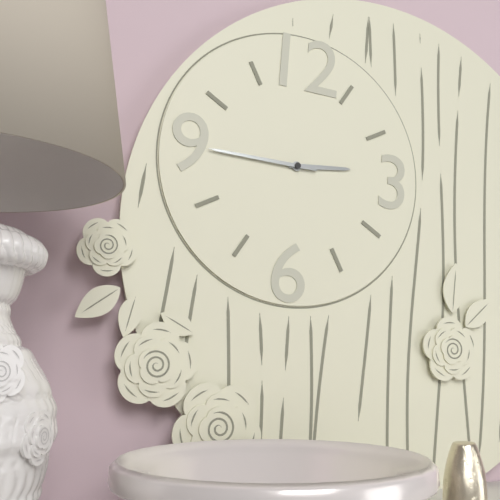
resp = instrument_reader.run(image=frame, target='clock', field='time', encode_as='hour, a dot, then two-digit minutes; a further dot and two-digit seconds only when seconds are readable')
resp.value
2.45
